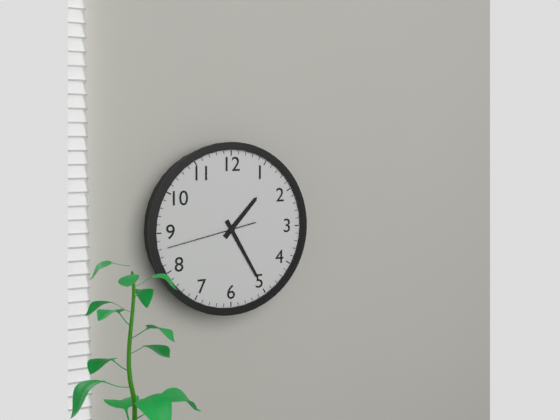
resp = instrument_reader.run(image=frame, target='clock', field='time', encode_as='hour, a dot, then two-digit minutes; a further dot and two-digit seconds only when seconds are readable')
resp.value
1.25.43
